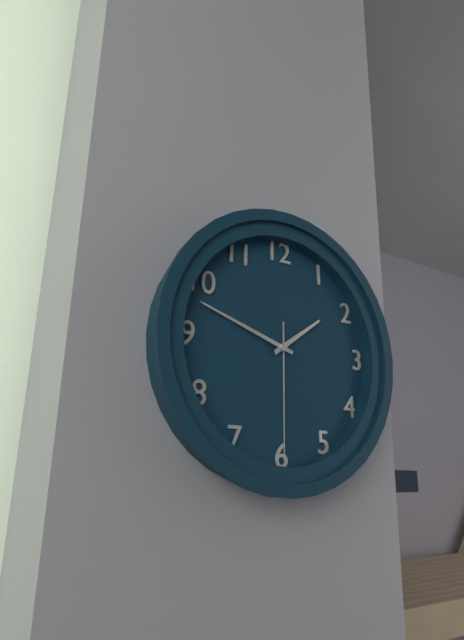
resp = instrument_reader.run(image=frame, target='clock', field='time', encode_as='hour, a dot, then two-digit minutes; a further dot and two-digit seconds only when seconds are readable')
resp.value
1.48.30
